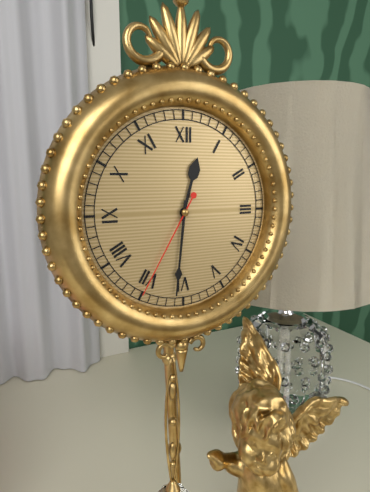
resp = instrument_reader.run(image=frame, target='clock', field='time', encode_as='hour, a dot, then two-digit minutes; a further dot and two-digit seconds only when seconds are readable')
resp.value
12.31.35
